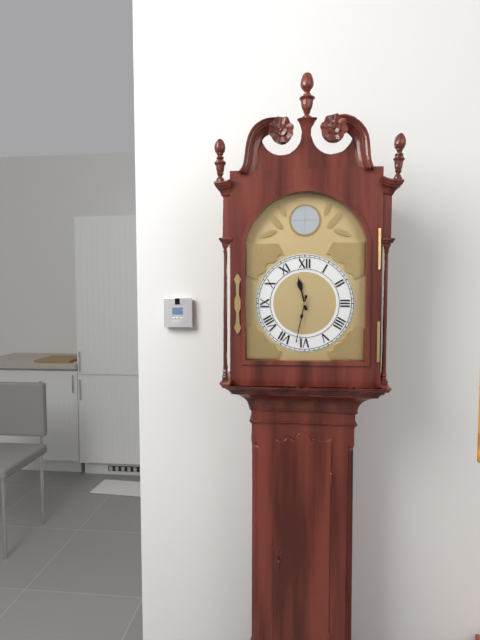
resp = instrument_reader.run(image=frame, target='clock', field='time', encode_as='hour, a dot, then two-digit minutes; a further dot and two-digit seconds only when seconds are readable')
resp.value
11.32
